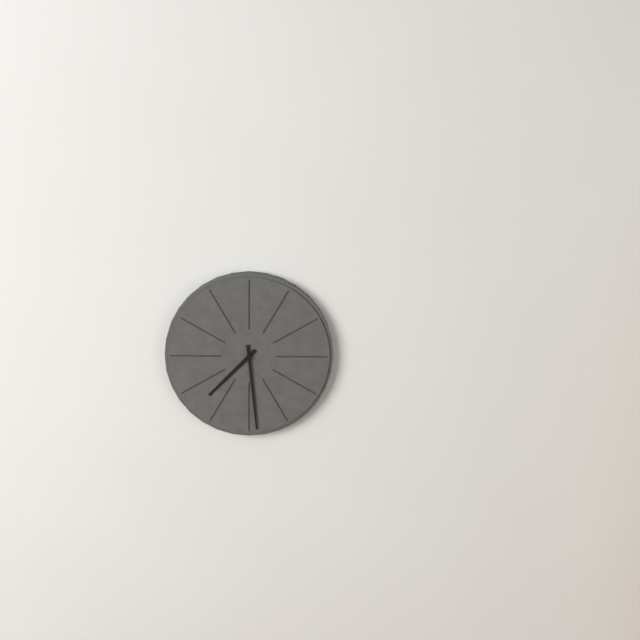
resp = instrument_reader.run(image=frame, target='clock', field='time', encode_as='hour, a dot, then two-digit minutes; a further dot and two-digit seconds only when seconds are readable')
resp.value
7.29
